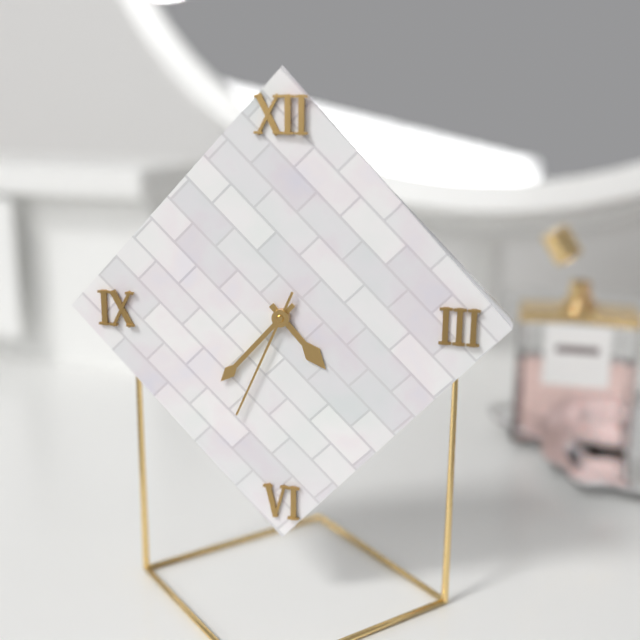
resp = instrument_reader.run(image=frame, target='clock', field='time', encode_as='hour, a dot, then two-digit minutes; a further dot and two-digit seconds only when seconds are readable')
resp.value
4.37.34
